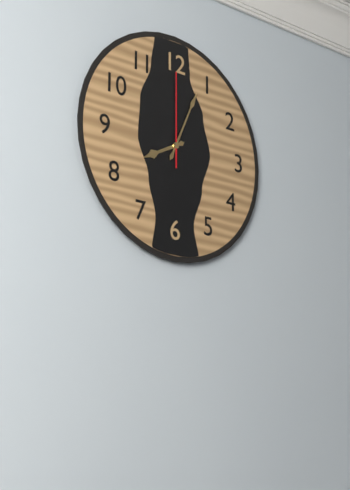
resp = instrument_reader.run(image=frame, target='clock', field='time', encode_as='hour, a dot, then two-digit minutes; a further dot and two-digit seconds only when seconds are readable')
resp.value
8.04.00
